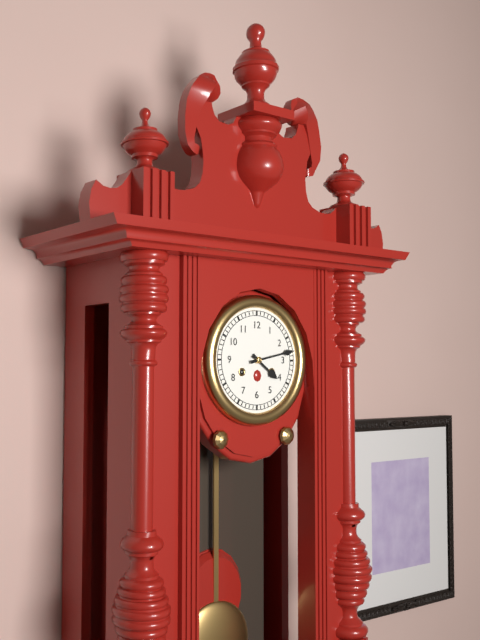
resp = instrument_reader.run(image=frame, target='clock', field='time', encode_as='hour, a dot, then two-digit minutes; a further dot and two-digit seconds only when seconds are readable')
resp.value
4.13
